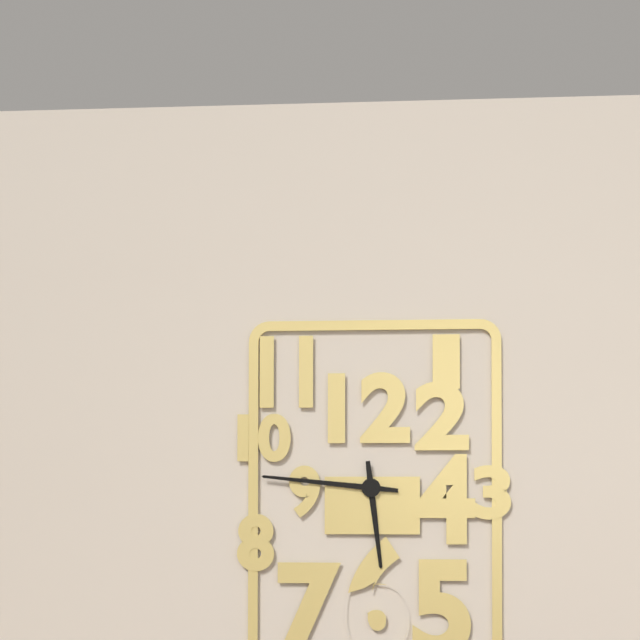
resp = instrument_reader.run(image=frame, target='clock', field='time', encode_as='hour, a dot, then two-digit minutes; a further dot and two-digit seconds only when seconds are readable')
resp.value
5.46
